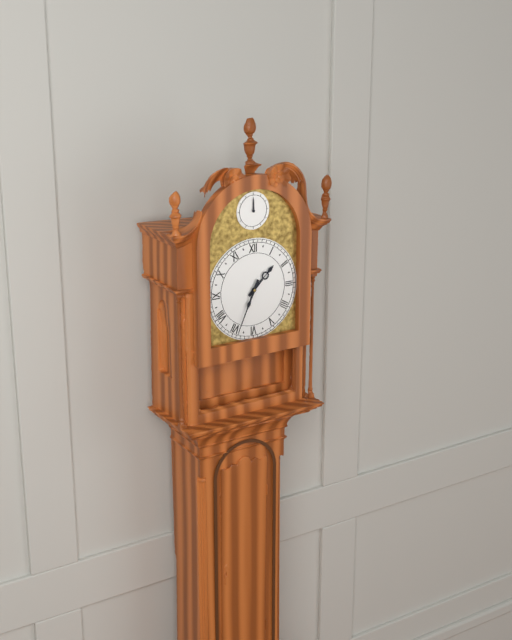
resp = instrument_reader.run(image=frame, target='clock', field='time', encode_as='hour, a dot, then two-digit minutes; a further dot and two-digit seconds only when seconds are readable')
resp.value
1.34
